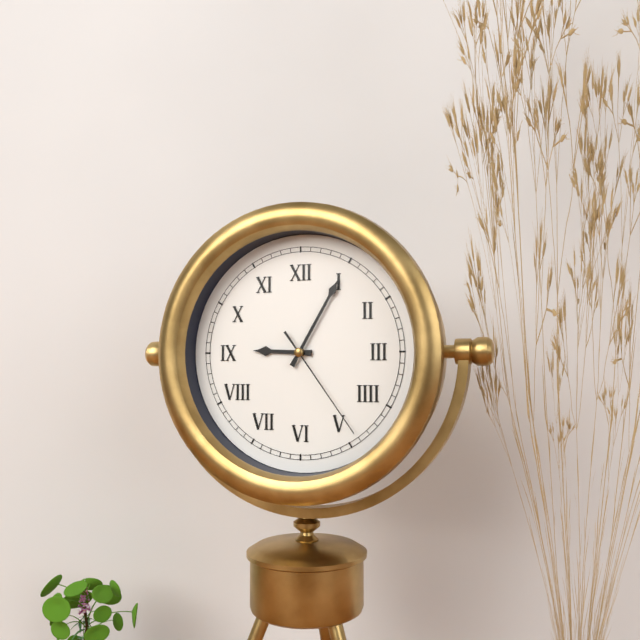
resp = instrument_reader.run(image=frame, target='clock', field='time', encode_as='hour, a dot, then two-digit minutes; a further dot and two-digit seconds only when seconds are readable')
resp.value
9.05.24
